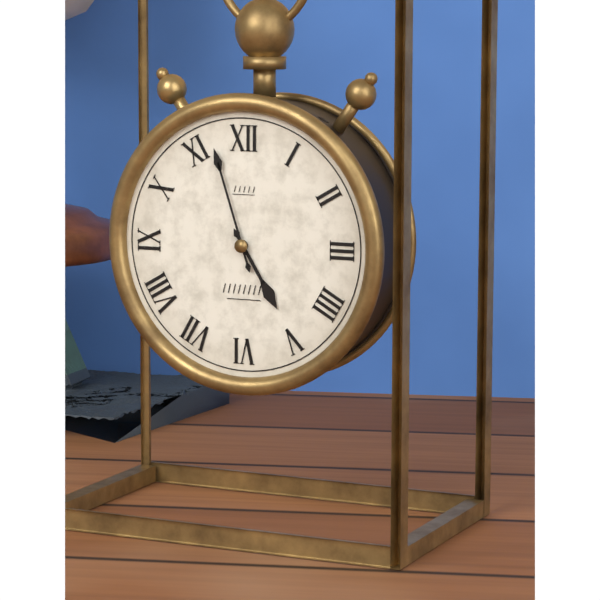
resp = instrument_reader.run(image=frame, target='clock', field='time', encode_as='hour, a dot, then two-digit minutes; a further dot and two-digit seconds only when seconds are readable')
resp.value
4.57
